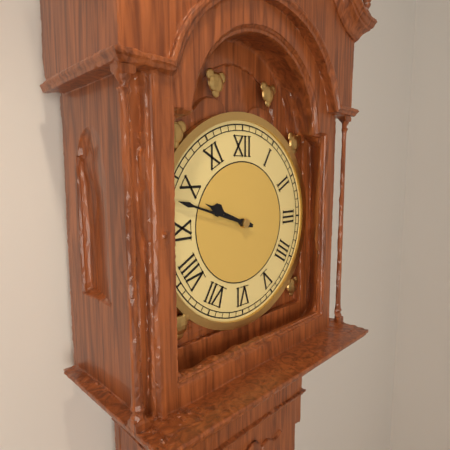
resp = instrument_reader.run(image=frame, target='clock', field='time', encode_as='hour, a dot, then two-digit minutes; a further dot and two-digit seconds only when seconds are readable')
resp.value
9.48
